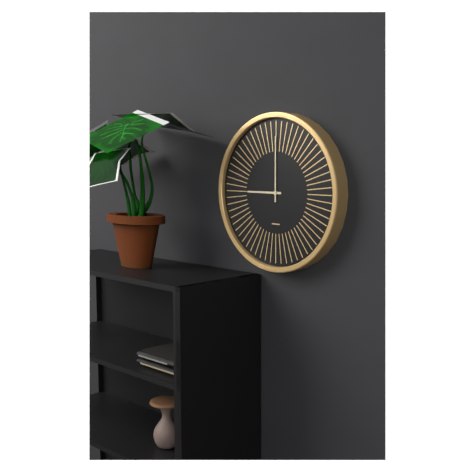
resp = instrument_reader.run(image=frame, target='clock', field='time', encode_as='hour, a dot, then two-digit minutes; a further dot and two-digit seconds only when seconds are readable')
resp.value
9.00
